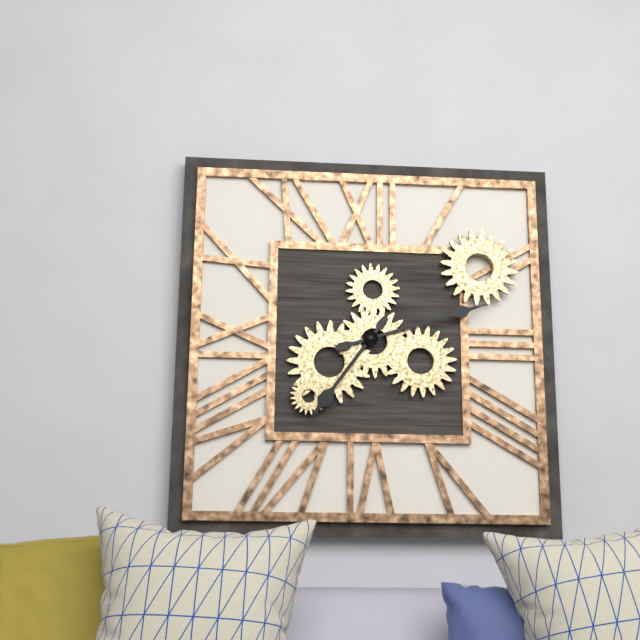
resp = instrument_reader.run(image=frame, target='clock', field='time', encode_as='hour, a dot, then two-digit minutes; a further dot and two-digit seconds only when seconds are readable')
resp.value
7.12
